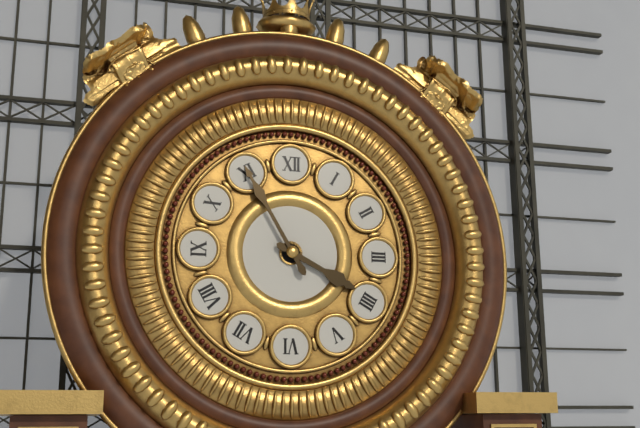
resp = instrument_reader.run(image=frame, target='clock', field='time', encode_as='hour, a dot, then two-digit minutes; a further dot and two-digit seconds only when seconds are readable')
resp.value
3.55
